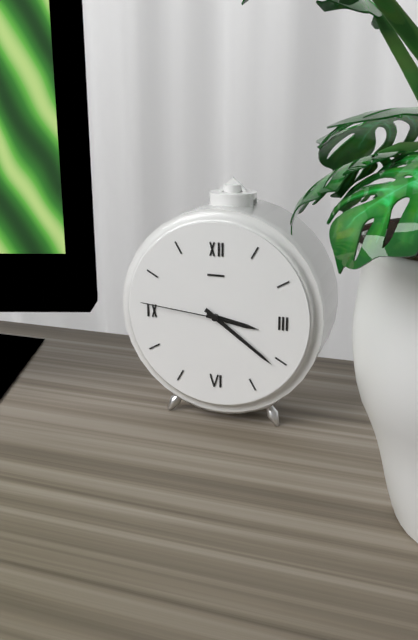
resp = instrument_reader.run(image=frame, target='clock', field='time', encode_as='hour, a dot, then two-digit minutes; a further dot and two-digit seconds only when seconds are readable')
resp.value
3.21.46
